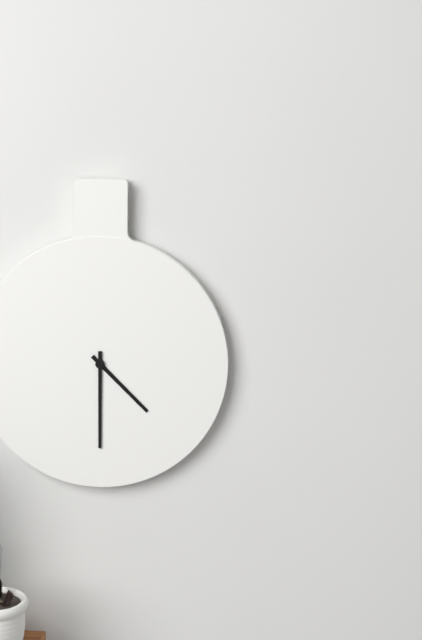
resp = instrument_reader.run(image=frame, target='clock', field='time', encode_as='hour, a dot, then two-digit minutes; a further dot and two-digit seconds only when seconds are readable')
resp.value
4.30
